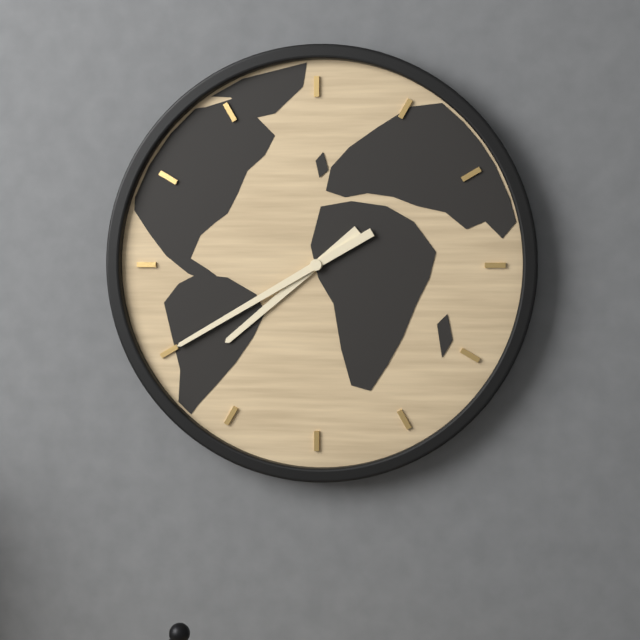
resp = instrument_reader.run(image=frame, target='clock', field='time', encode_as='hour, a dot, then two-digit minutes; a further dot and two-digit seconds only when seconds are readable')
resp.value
7.40
